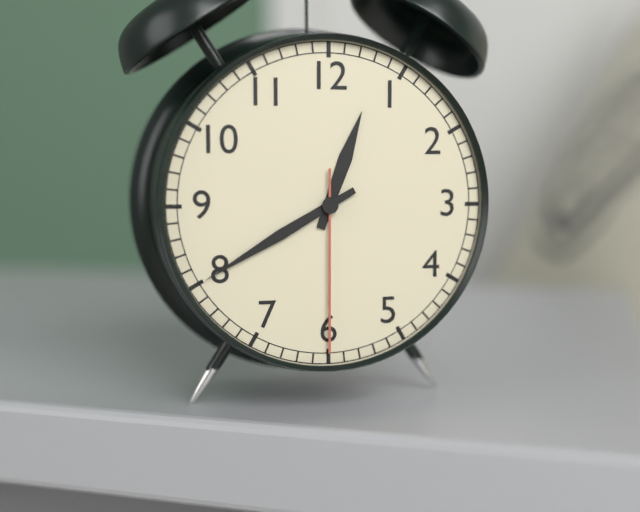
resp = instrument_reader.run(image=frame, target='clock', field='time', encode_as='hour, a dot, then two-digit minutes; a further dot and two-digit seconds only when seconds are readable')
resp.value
12.40.30
